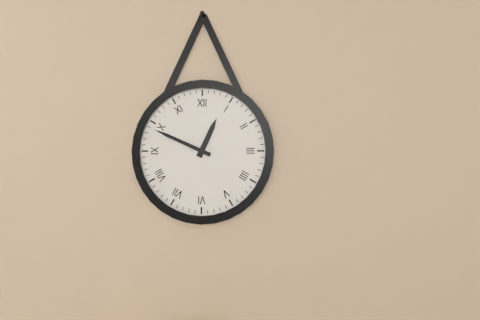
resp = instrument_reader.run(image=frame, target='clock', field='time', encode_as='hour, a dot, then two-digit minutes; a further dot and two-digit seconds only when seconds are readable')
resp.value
12.49
